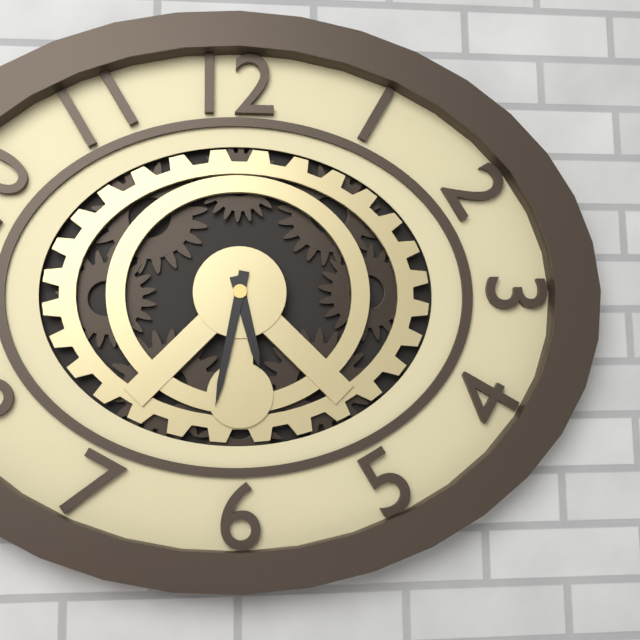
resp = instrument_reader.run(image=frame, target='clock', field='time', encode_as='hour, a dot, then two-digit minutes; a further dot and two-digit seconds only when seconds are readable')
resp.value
5.32
